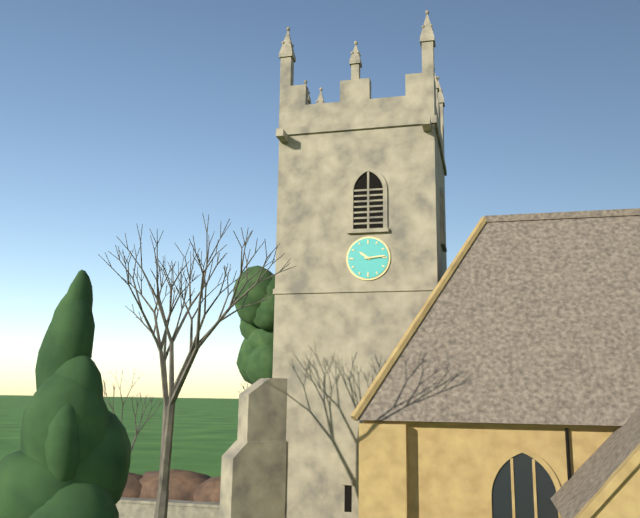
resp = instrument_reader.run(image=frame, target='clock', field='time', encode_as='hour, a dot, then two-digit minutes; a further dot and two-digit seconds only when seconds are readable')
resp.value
10.14
